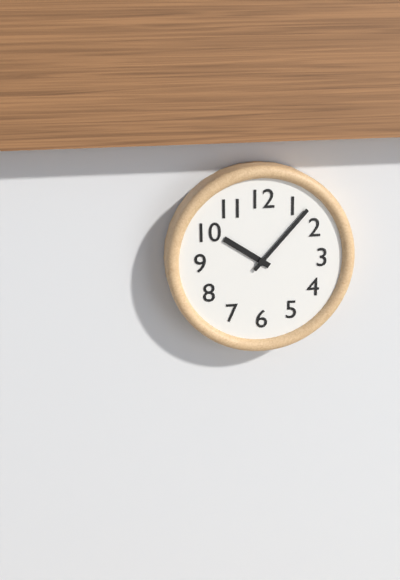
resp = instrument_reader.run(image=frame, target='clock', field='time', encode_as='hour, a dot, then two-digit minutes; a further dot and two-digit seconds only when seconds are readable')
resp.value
10.07
